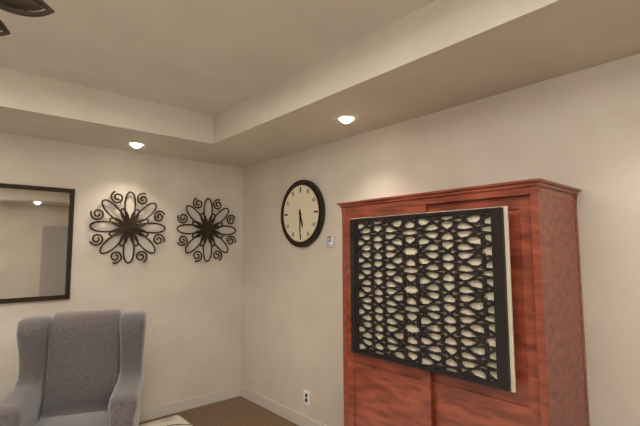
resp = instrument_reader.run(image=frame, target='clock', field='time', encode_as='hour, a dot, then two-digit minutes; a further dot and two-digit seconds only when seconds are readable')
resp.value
5.30
